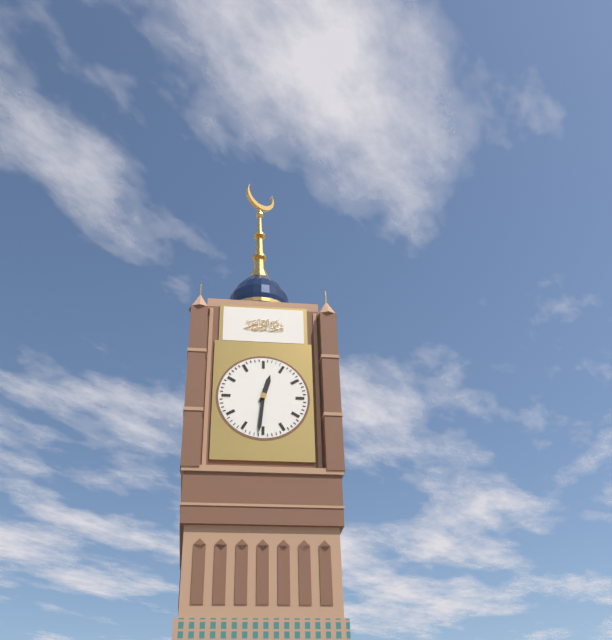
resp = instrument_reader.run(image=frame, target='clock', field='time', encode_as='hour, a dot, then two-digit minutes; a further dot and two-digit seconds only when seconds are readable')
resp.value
12.31
